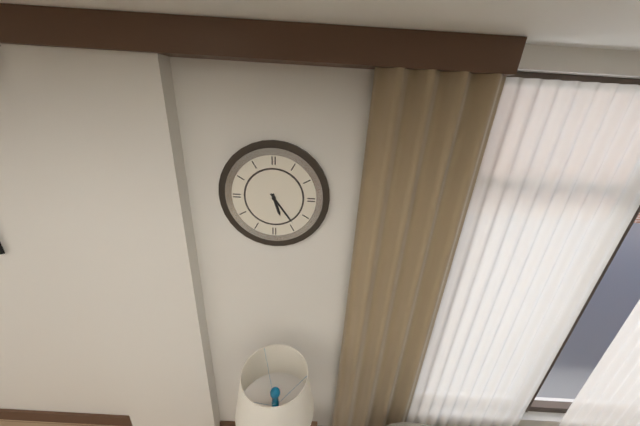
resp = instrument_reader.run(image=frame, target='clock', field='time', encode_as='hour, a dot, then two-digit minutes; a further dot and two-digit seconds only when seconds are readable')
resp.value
5.24
